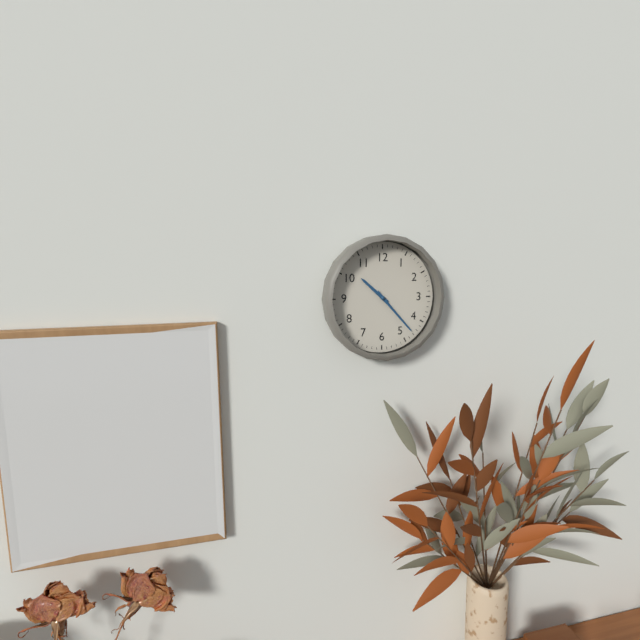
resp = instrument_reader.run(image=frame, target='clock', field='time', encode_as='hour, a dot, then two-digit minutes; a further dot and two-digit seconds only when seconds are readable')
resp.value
10.23
